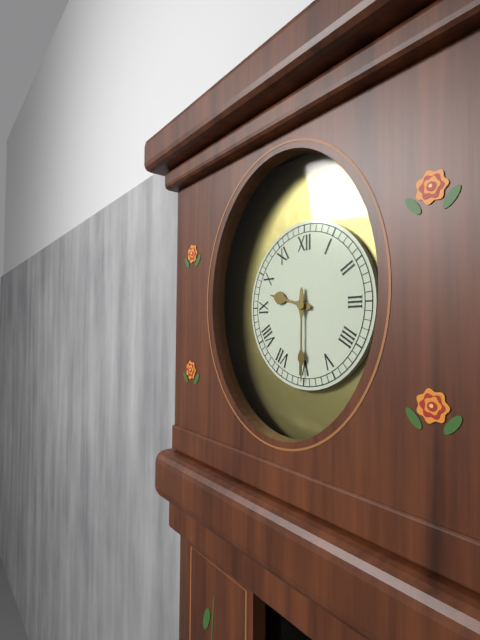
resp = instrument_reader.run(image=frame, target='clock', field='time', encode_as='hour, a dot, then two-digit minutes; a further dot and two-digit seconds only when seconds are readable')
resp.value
9.30
